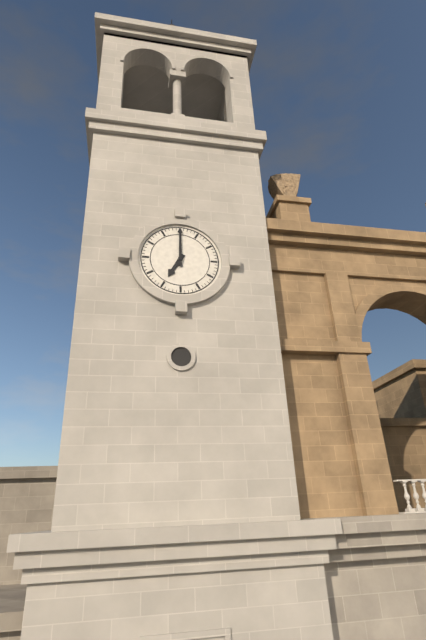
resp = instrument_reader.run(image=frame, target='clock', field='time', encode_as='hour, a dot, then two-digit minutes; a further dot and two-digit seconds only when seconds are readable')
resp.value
7.00
